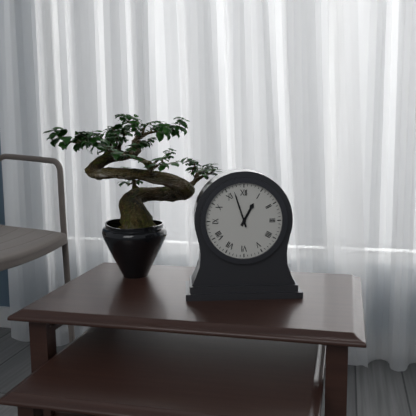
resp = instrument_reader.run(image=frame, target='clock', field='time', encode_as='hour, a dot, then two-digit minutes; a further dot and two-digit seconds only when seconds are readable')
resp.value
12.57
